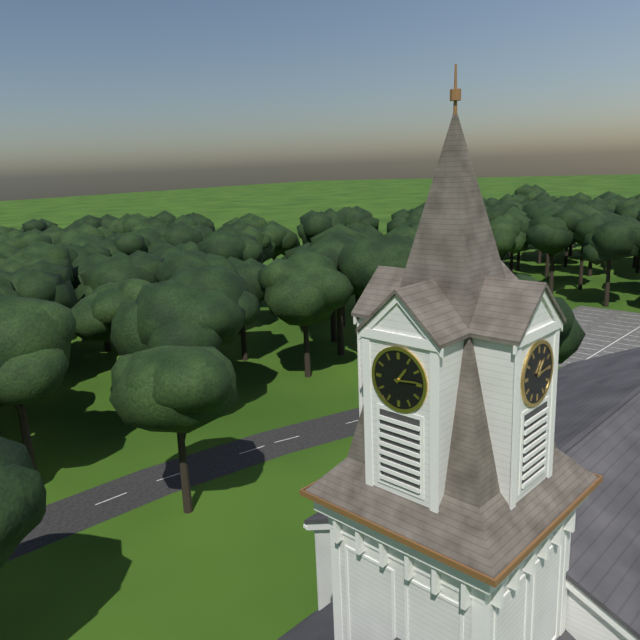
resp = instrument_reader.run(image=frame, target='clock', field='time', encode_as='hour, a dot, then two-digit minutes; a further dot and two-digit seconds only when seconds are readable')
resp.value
1.14
